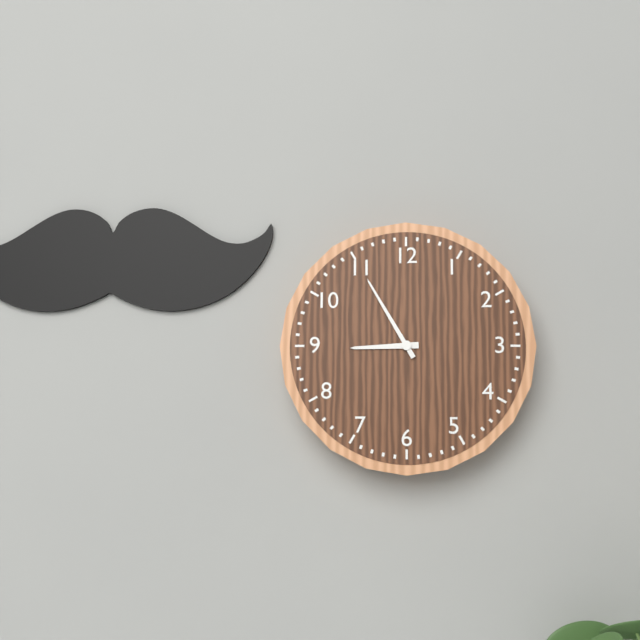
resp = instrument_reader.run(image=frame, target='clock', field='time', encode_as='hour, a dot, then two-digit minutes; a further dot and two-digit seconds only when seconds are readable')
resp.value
8.55
